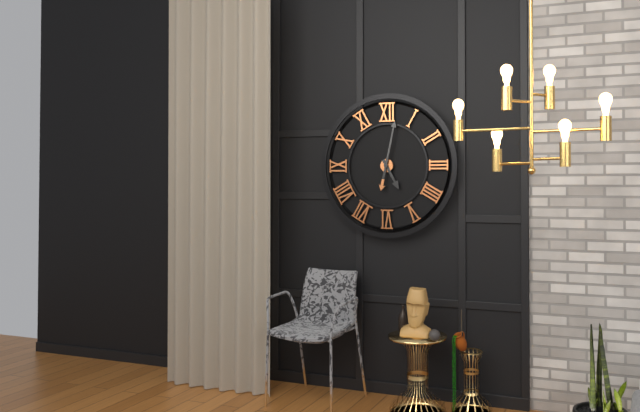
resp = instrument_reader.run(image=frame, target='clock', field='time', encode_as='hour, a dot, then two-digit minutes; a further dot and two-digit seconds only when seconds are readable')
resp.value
5.02
